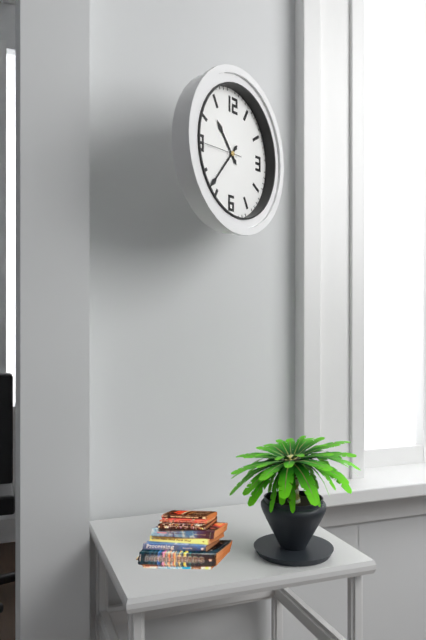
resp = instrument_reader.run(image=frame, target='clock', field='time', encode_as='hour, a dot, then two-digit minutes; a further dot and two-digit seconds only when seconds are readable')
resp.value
10.37
